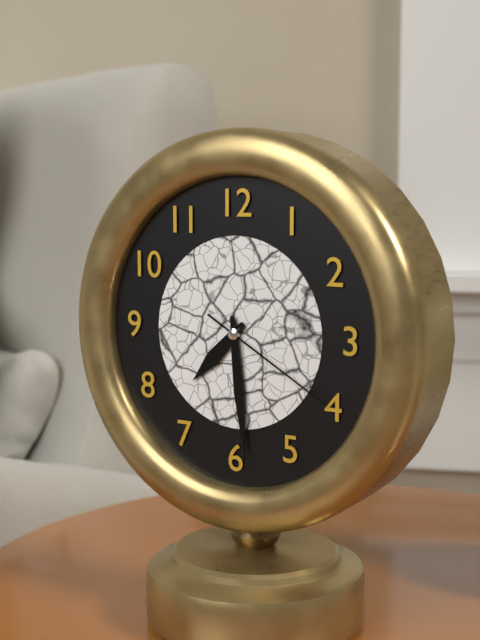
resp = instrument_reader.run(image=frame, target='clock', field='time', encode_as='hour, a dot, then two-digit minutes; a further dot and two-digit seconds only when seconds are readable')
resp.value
7.29.20
